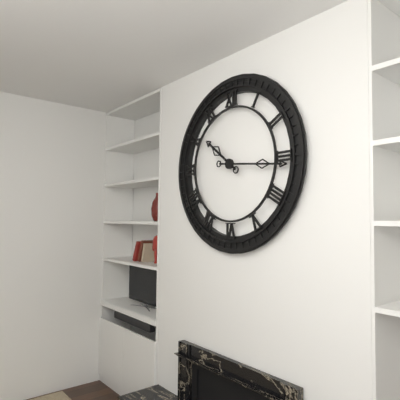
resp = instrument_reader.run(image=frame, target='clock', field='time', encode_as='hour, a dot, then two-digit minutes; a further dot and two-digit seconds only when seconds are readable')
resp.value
10.16
